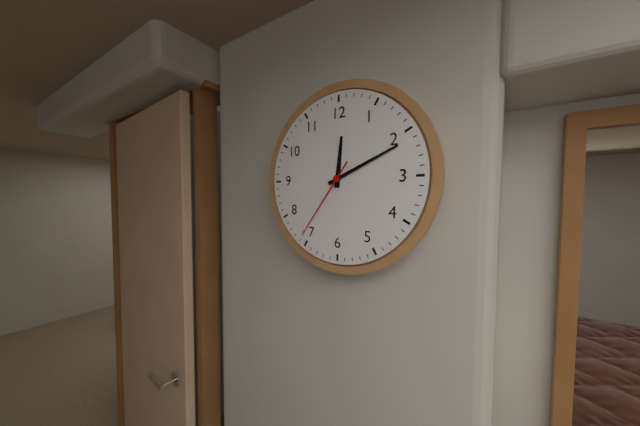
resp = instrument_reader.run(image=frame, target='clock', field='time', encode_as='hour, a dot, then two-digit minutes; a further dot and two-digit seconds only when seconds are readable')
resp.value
12.11.36
